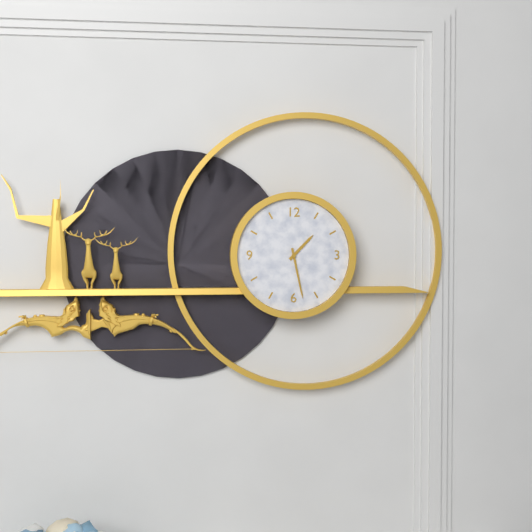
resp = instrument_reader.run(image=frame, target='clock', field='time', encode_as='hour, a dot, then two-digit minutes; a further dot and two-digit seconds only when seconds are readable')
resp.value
1.28
